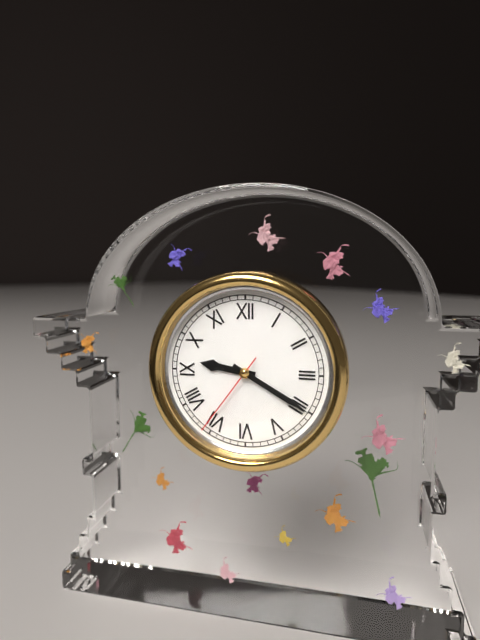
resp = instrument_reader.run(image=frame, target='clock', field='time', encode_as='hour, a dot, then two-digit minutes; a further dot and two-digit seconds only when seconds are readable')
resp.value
9.20.36
